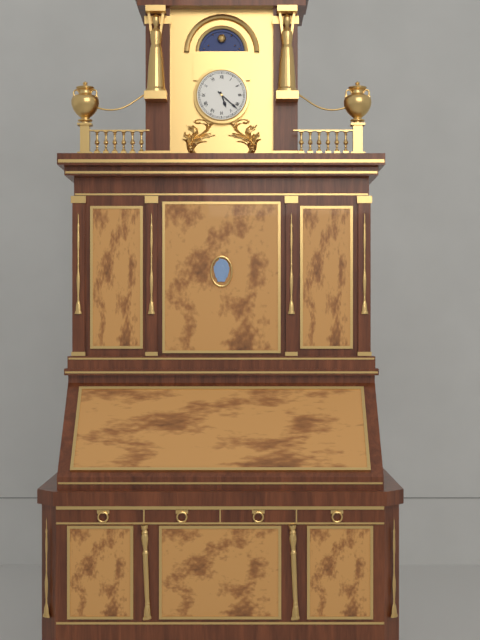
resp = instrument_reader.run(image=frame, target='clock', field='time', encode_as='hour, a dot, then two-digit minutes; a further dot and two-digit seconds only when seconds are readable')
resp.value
5.22
